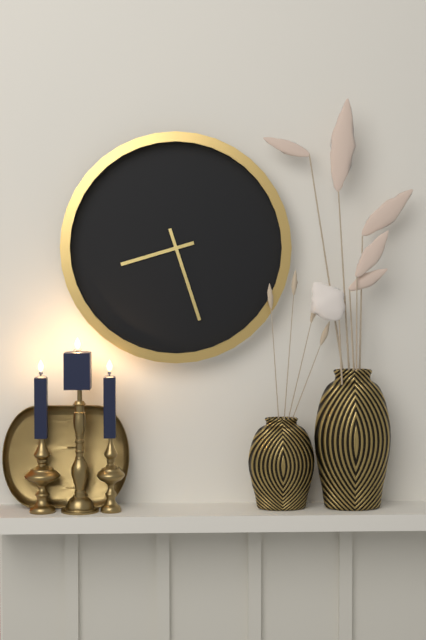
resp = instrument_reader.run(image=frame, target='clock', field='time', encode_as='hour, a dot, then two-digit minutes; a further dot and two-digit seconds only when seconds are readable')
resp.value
8.27
